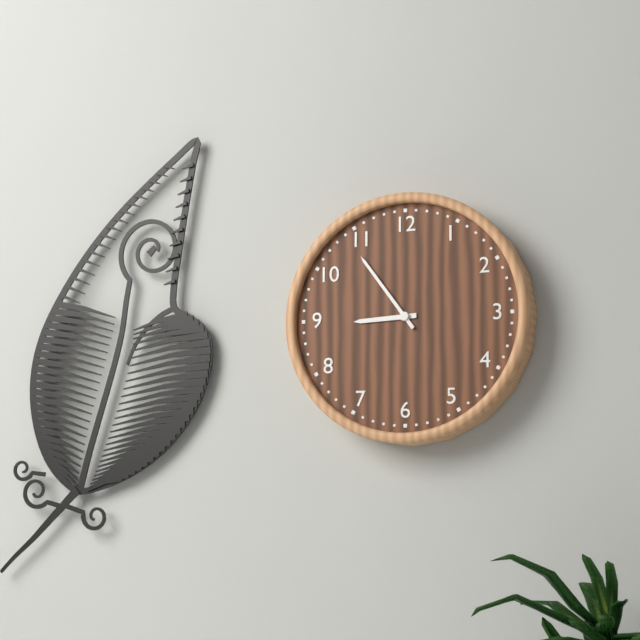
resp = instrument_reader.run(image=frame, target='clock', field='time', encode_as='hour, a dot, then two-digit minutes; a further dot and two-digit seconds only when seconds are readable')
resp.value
8.54
